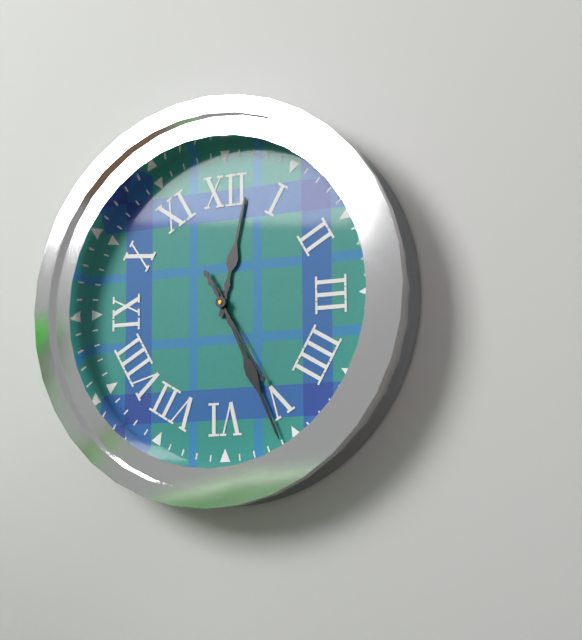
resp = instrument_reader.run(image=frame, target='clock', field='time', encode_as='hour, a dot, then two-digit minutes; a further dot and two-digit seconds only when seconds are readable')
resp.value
12.26.25
